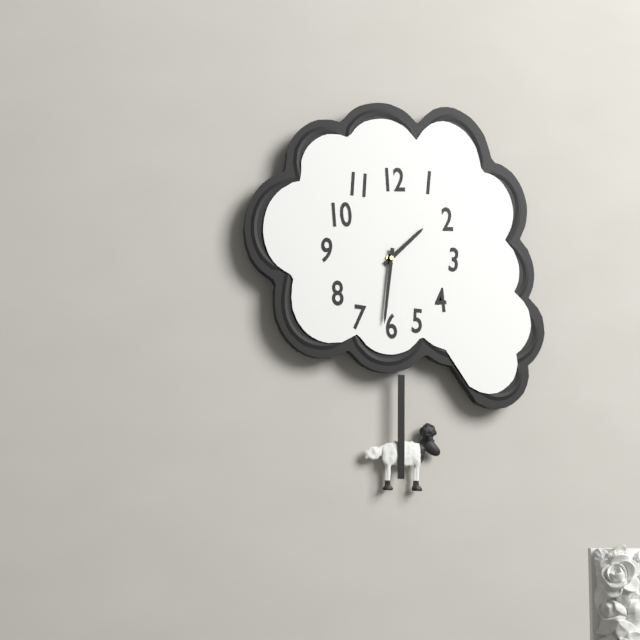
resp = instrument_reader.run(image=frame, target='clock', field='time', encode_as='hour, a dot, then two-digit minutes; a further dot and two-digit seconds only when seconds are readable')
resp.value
1.31
